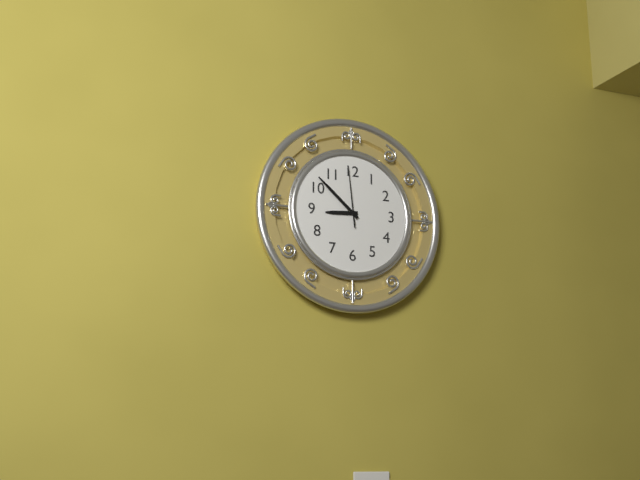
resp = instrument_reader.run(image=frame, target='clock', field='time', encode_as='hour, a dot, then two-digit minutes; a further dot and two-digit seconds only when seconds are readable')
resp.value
8.52.59
